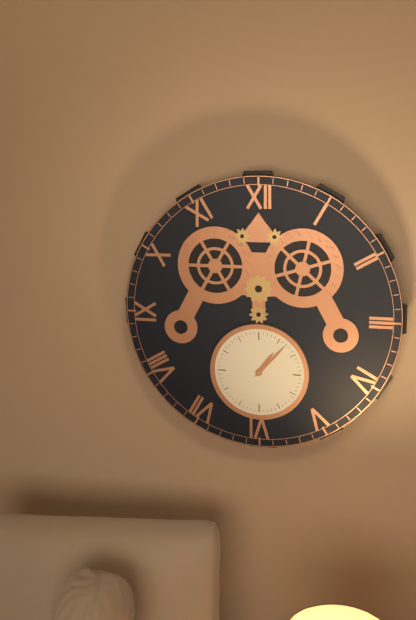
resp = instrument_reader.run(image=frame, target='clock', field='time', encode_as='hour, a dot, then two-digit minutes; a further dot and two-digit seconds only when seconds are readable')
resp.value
1.07
